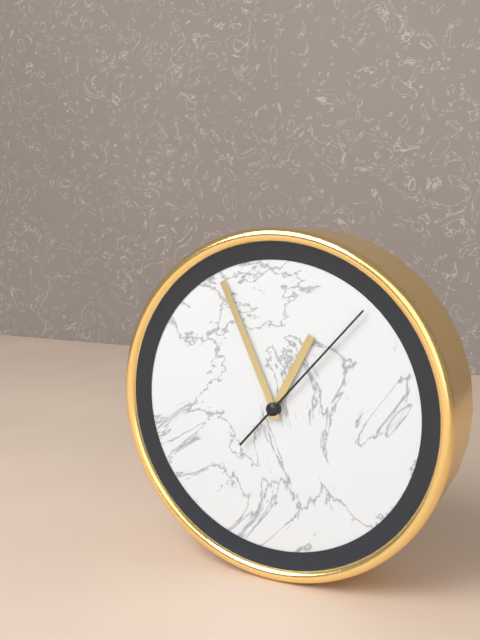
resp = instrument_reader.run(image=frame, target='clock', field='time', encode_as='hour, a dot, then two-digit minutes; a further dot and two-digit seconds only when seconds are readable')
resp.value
12.56.07
